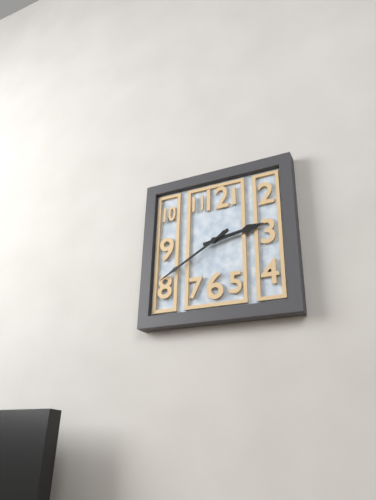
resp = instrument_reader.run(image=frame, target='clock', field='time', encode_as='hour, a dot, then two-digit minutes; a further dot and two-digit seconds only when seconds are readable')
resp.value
2.40
